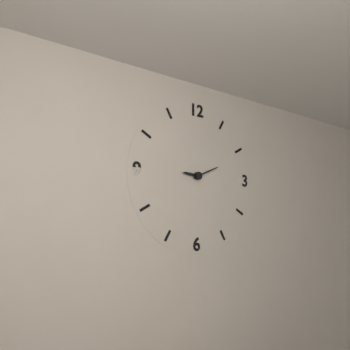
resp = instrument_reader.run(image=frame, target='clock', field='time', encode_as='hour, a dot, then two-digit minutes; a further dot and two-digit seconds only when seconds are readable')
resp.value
9.11
